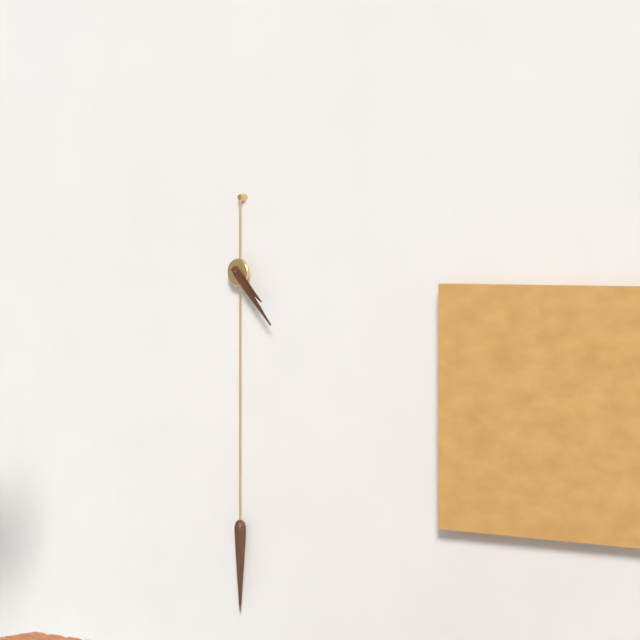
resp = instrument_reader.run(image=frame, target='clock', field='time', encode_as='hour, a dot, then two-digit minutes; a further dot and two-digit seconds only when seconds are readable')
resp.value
4.23
